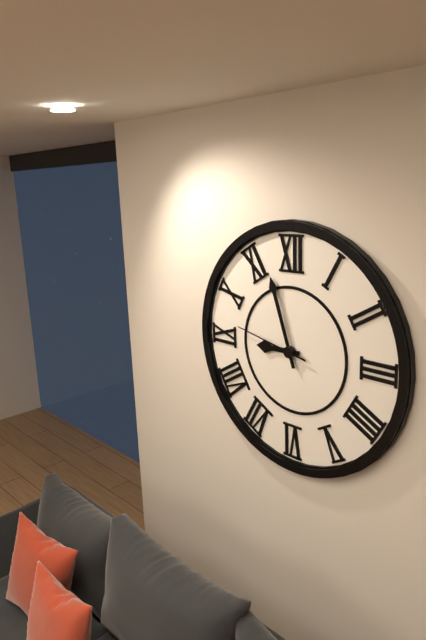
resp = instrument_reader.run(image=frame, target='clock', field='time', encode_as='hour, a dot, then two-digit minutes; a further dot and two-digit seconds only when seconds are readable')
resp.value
8.57.47
